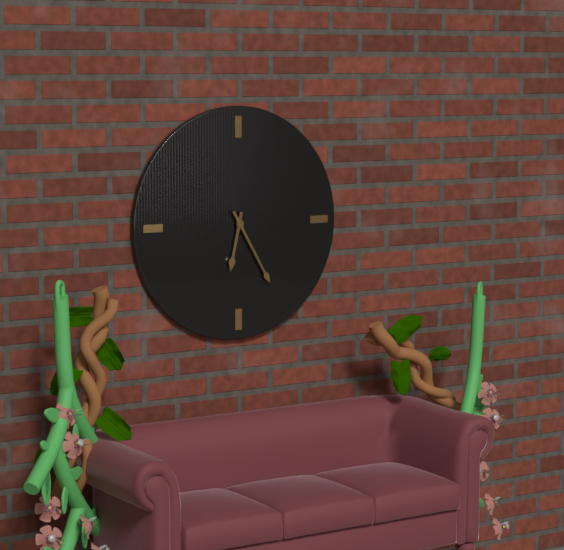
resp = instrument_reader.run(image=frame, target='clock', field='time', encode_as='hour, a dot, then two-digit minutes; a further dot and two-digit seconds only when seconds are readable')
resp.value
6.25
